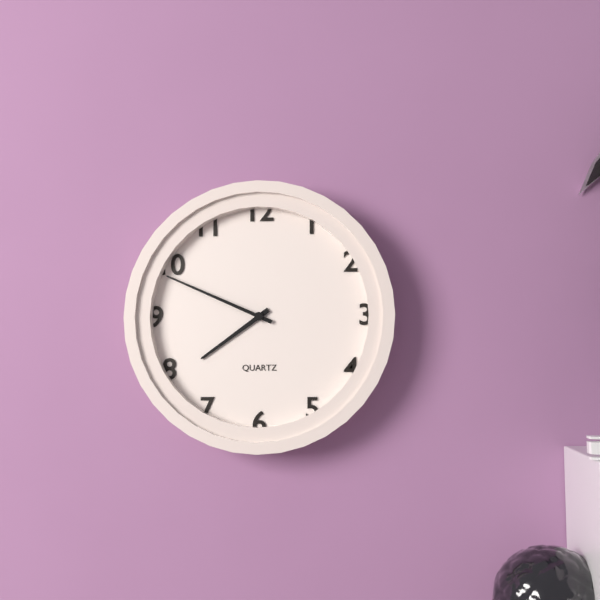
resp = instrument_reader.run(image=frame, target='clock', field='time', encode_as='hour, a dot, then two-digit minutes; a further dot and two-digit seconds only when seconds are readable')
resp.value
7.49
